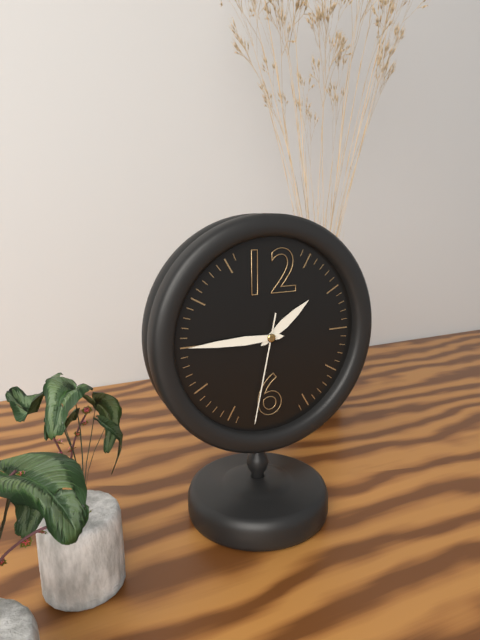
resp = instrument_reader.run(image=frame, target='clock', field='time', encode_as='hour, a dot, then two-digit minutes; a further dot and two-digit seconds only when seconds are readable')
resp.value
1.45.32
